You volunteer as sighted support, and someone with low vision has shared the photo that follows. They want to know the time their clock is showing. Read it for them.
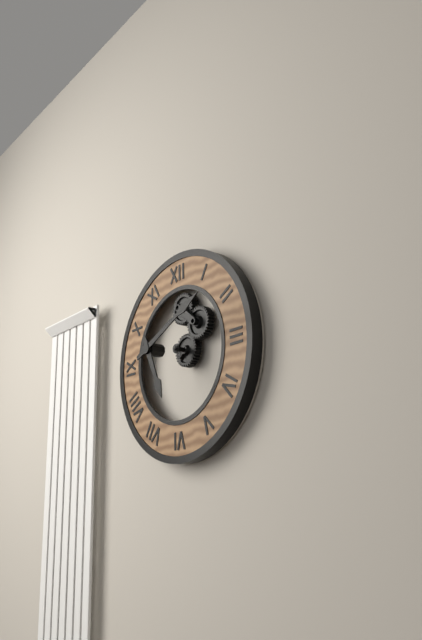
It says 5:11
